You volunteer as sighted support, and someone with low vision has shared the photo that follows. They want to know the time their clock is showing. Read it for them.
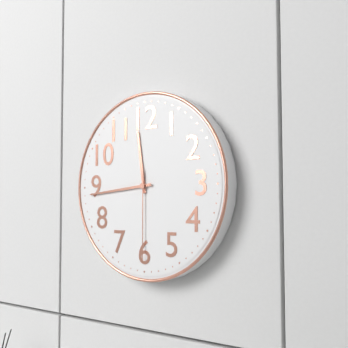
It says 11:44:30
